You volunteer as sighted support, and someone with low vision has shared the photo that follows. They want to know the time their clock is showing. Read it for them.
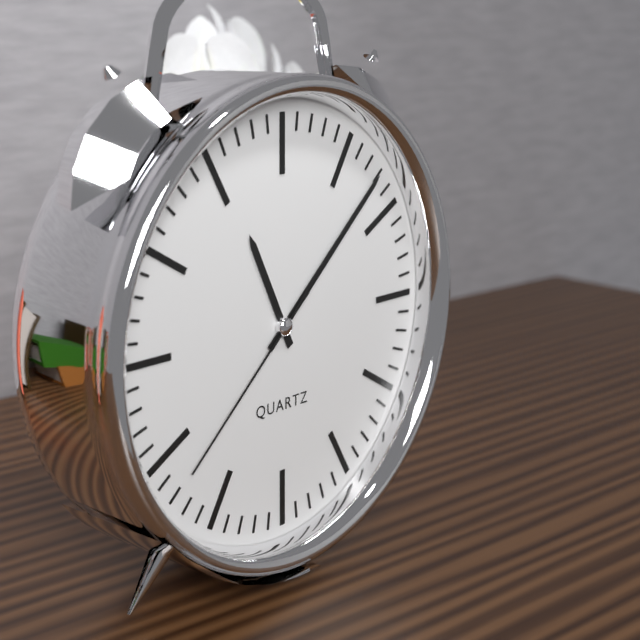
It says 11:08:38
